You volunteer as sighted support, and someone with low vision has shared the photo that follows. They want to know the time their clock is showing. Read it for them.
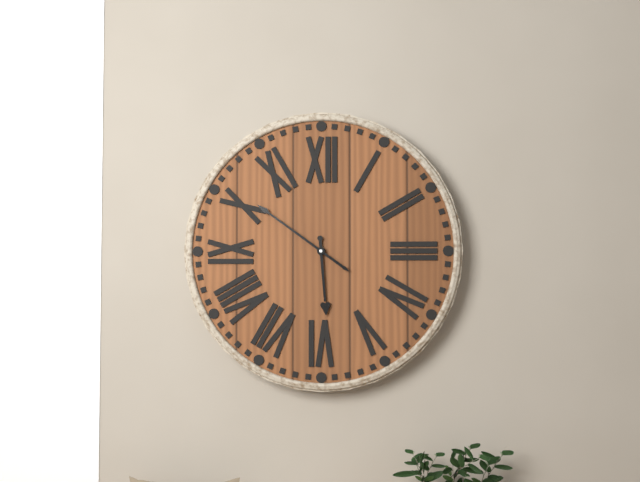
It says 5:51
